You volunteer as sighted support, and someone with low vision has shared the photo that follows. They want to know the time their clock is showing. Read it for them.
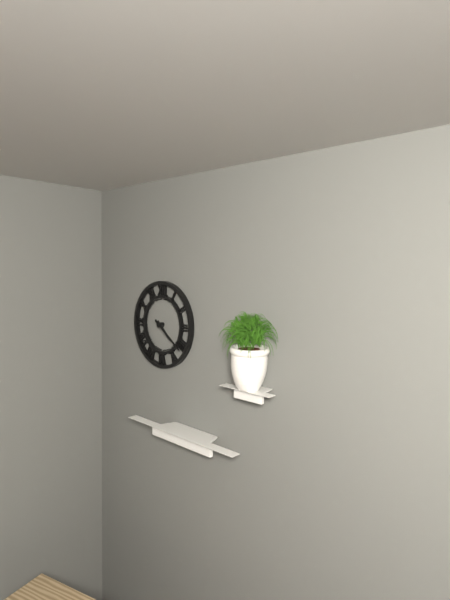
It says 4:21
